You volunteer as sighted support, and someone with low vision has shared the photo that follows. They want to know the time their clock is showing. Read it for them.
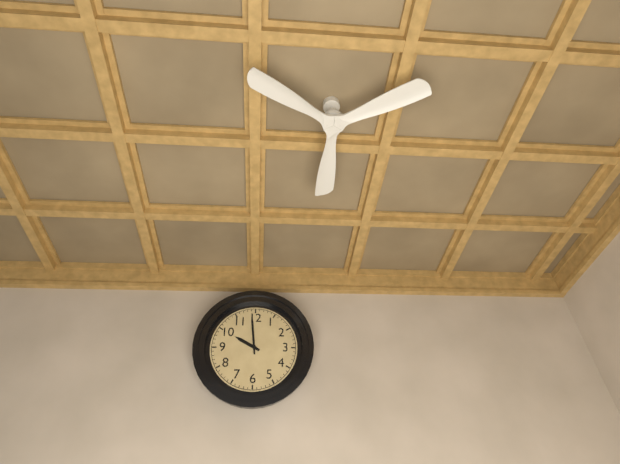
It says 9:59
